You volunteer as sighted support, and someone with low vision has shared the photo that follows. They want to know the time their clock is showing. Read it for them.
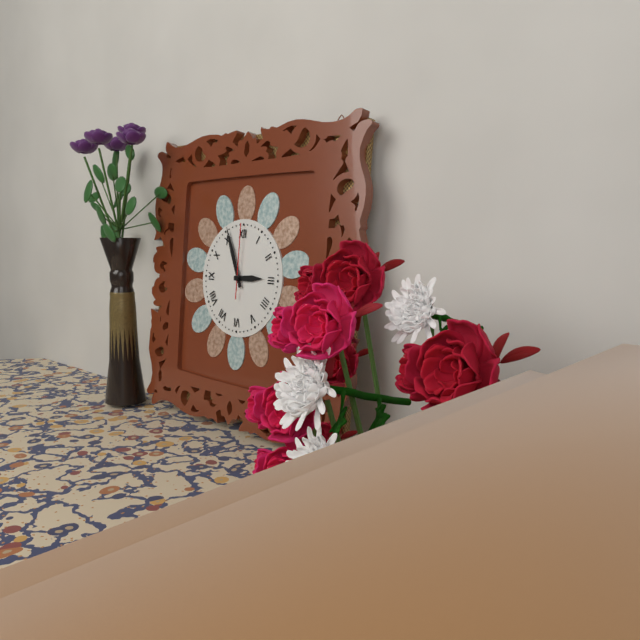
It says 2:56:00
